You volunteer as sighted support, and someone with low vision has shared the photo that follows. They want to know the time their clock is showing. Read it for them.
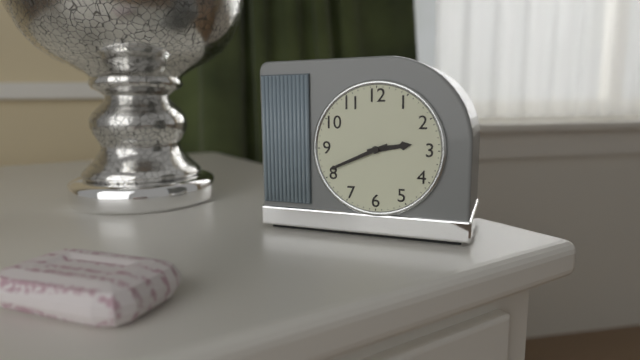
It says 2:41
